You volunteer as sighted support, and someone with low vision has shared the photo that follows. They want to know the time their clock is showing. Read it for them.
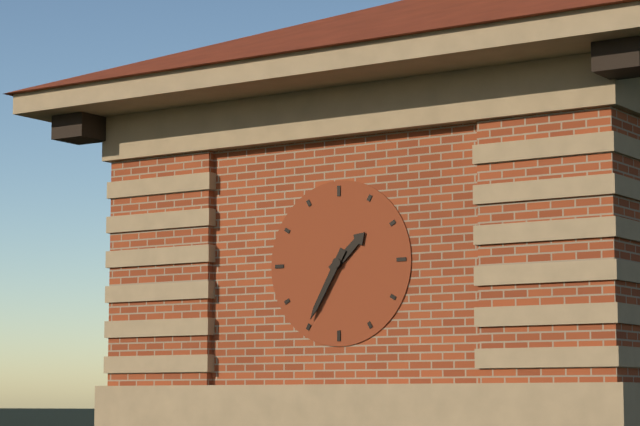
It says 1:35
